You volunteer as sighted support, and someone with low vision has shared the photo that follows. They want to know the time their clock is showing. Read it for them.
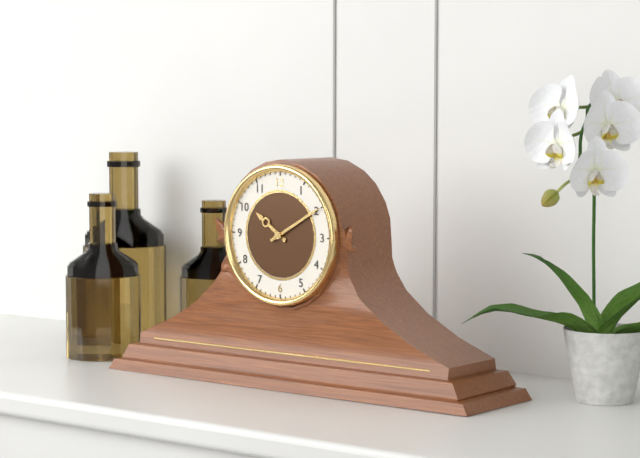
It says 10:10
